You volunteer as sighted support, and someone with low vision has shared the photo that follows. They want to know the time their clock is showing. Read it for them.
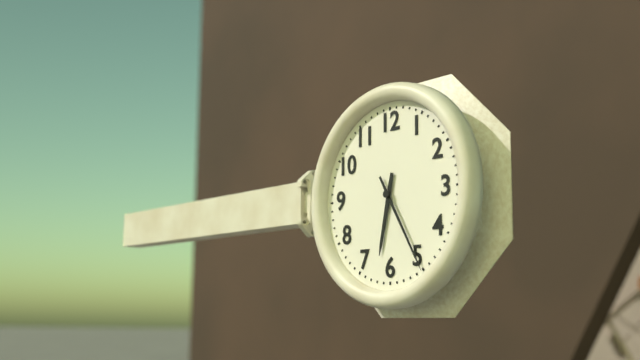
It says 6:25
